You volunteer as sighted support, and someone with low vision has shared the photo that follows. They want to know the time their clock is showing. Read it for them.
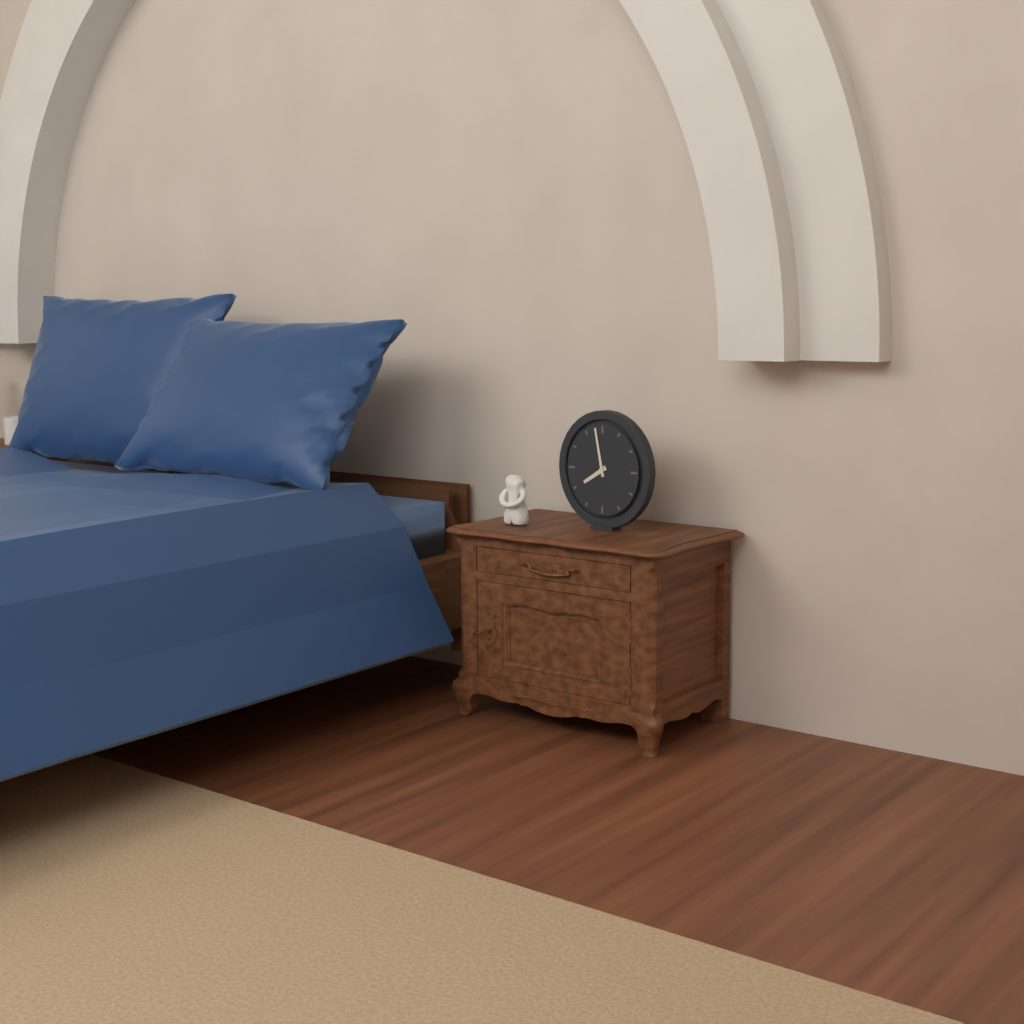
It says 7:58
